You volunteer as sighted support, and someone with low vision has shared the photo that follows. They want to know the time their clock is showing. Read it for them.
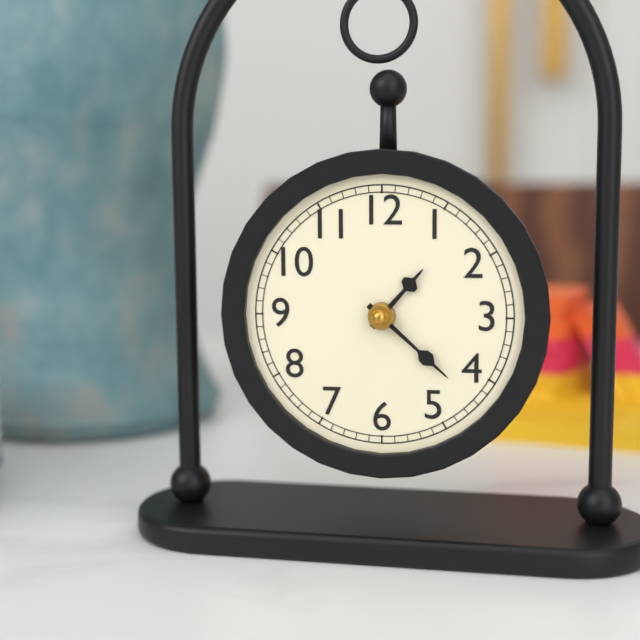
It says 1:22
